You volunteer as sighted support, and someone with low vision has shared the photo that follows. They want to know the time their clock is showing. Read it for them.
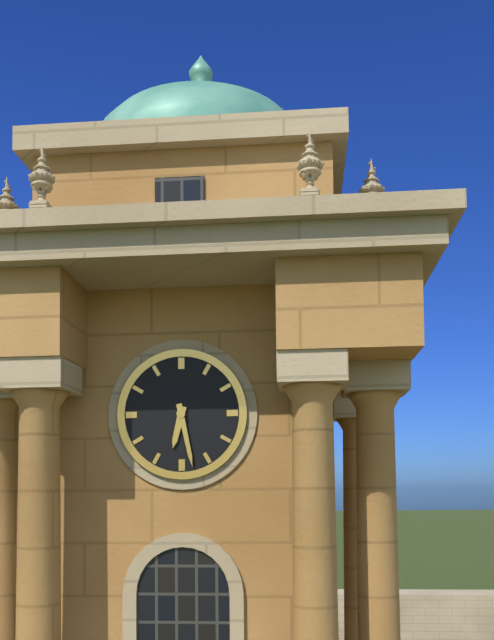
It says 6:28
